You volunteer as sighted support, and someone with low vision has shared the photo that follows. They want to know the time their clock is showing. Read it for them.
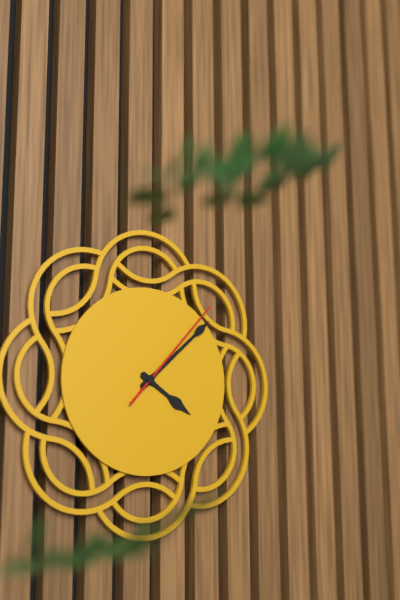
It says 4:08:07
